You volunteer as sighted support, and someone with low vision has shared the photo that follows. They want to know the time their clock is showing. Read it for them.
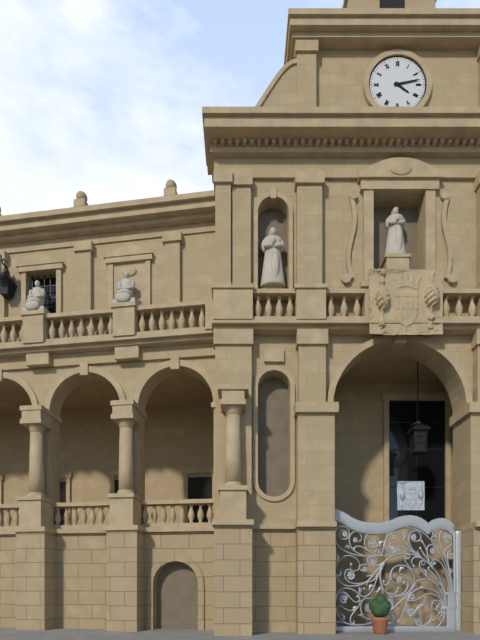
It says 4:13
